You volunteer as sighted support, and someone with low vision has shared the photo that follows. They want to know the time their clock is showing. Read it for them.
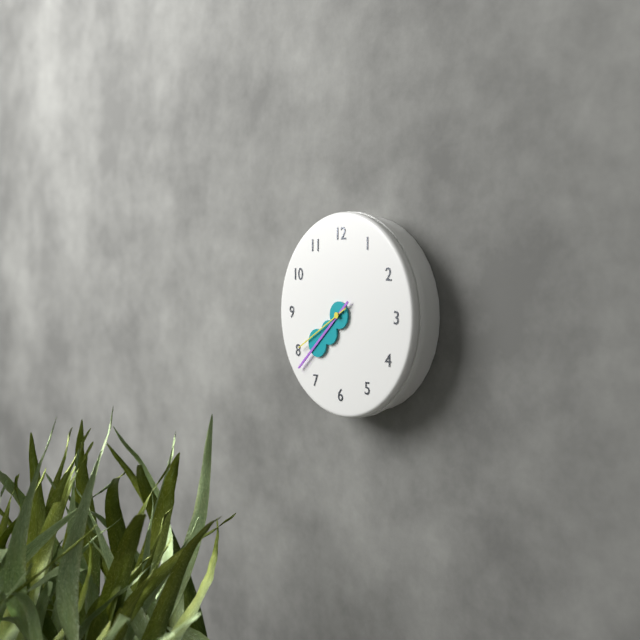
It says 7:38:40
